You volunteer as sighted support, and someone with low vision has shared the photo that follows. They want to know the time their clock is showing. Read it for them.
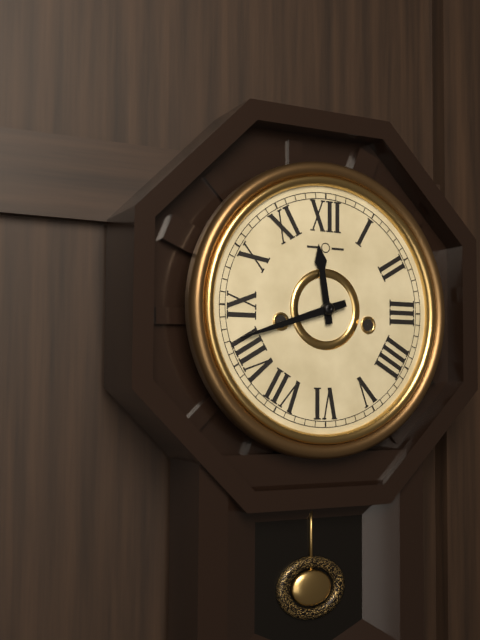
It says 11:42
